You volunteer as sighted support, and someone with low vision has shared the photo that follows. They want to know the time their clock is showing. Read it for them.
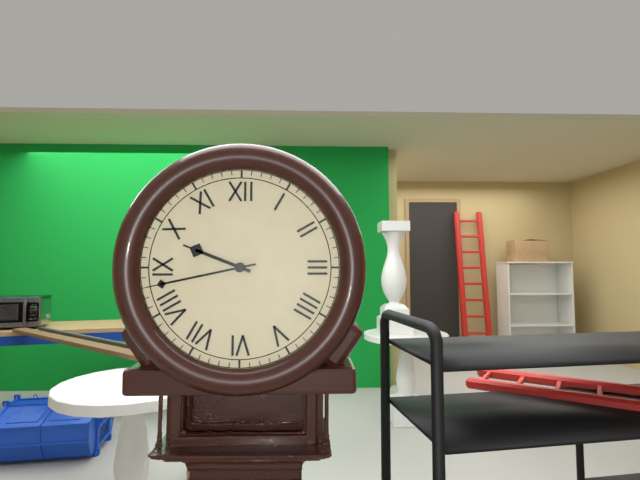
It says 9:43
